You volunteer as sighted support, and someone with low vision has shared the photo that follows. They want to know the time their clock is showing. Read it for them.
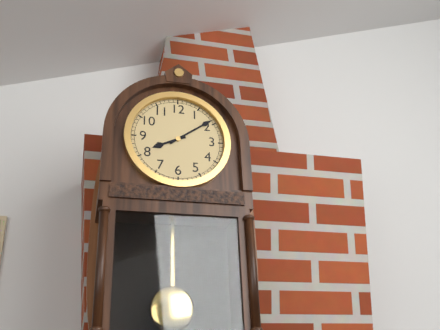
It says 8:09
